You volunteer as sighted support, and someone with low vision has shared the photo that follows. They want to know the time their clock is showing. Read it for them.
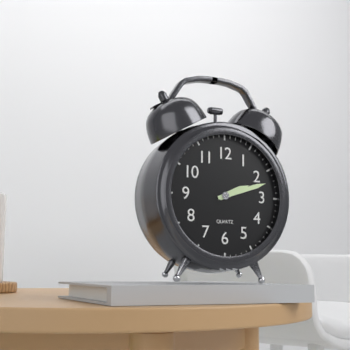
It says 2:12
